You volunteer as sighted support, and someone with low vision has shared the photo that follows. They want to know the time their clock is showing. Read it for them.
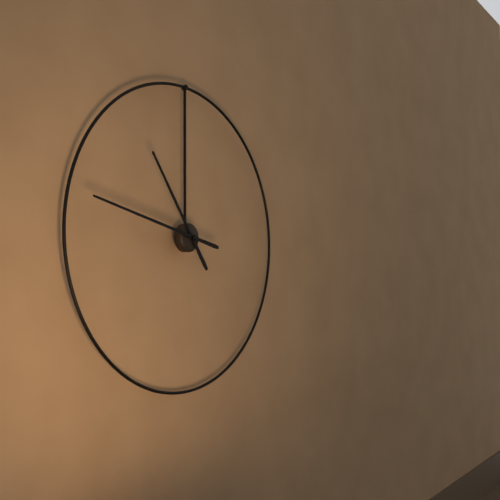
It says 10:47
